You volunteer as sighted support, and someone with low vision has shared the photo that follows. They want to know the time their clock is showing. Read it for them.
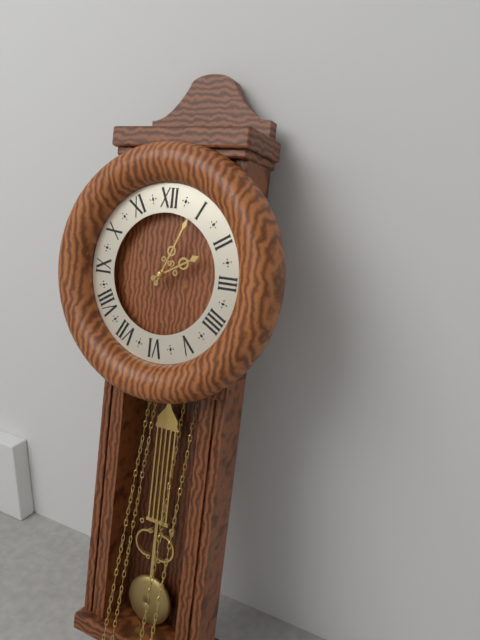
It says 2:04
